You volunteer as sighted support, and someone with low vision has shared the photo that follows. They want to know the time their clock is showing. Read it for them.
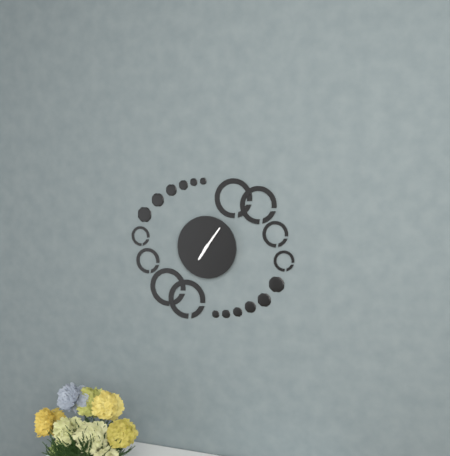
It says 7:06
